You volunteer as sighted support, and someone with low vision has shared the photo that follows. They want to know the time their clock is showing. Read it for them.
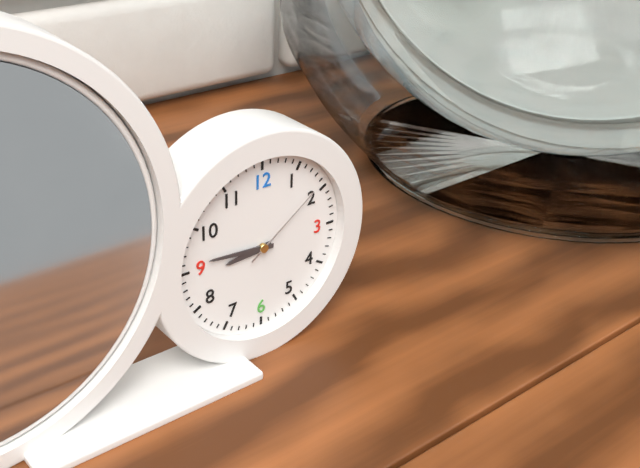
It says 8:46:09
